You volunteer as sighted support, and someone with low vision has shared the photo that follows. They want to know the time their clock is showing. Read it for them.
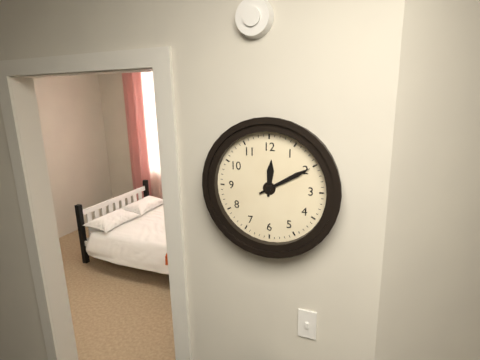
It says 12:10
